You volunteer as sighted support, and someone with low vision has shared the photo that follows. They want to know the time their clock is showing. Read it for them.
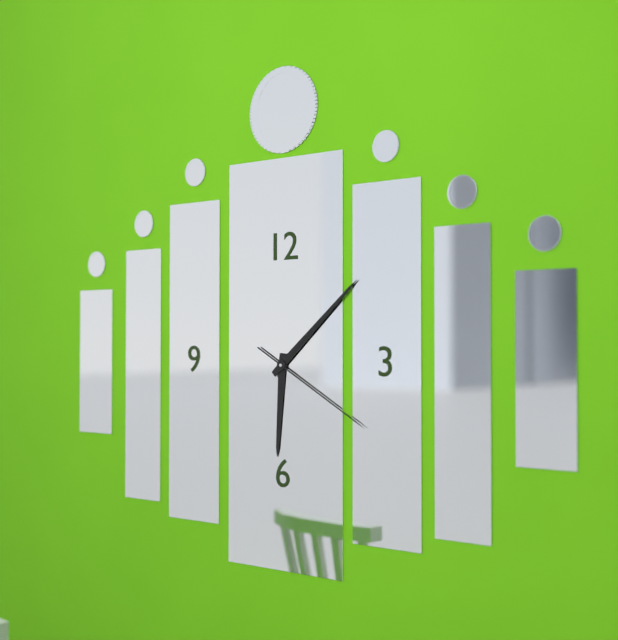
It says 6:08:20
